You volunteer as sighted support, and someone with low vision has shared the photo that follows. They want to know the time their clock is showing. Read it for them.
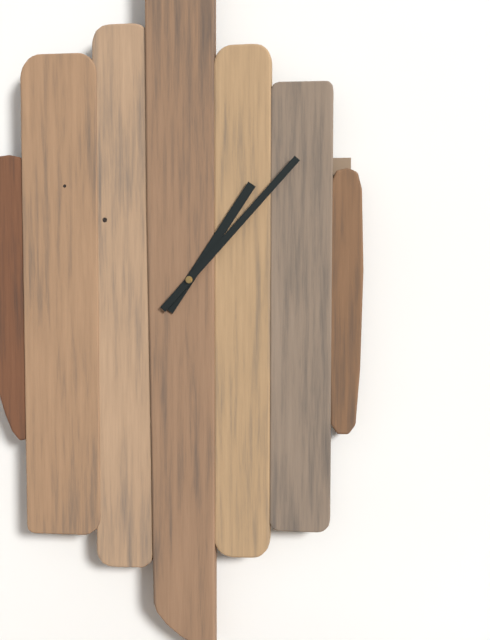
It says 1:07
